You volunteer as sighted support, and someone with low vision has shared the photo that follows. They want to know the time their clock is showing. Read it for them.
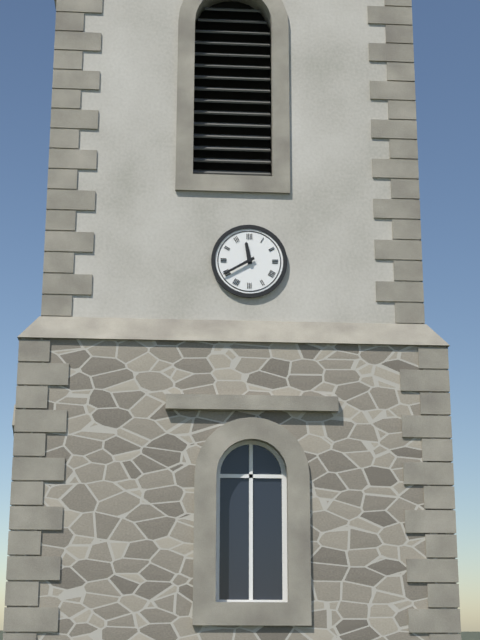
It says 11:40
